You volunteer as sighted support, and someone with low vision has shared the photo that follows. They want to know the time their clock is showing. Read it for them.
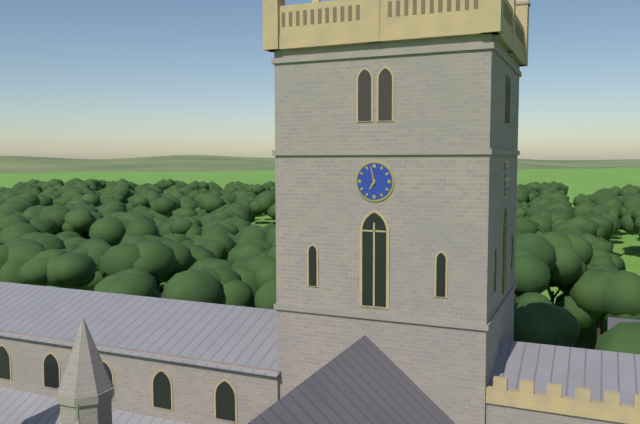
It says 6:58
